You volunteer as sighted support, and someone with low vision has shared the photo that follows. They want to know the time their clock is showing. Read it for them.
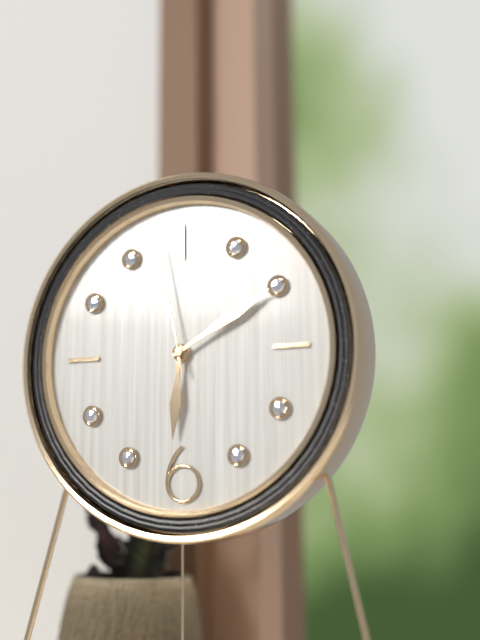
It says 6:10:58
